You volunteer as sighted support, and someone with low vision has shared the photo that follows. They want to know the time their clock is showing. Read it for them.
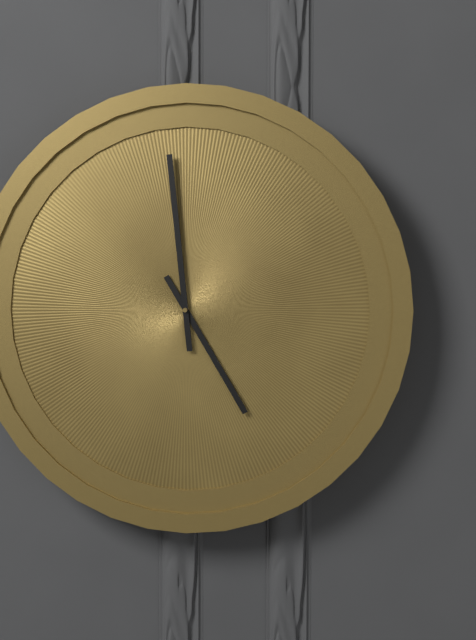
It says 4:59
